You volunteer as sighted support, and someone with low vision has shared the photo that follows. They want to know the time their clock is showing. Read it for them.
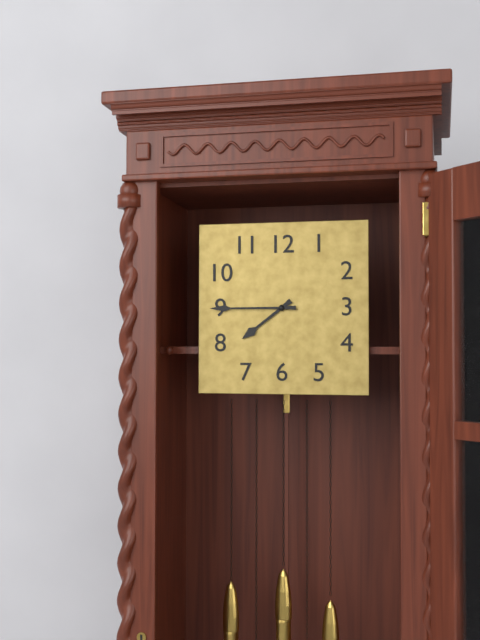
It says 7:45
